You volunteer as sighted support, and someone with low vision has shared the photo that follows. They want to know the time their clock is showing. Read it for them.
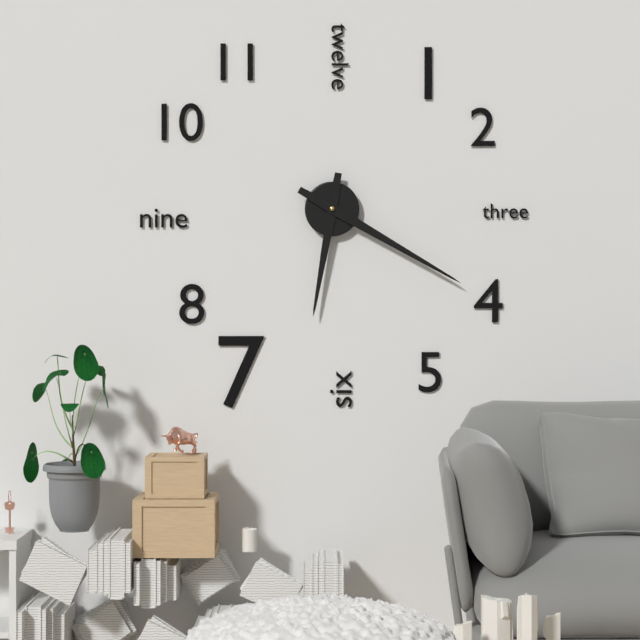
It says 6:20
